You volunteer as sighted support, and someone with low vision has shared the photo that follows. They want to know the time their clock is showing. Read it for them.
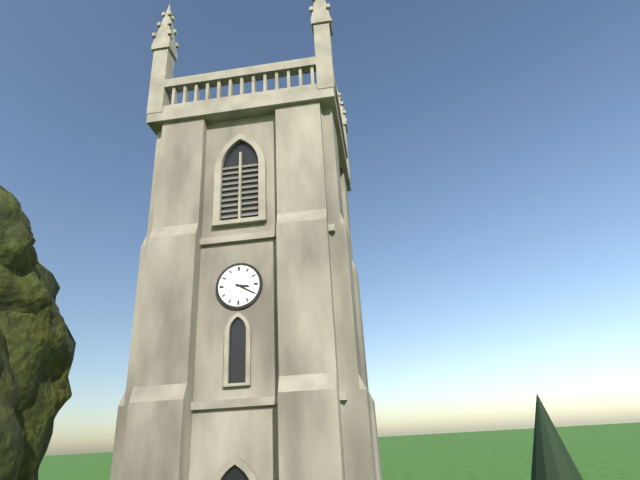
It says 3:20
